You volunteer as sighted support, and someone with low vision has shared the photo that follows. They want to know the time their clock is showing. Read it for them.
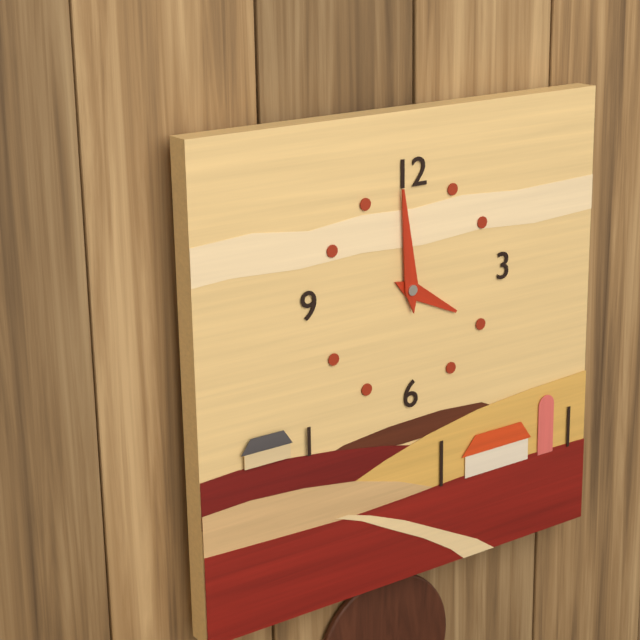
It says 3:59
